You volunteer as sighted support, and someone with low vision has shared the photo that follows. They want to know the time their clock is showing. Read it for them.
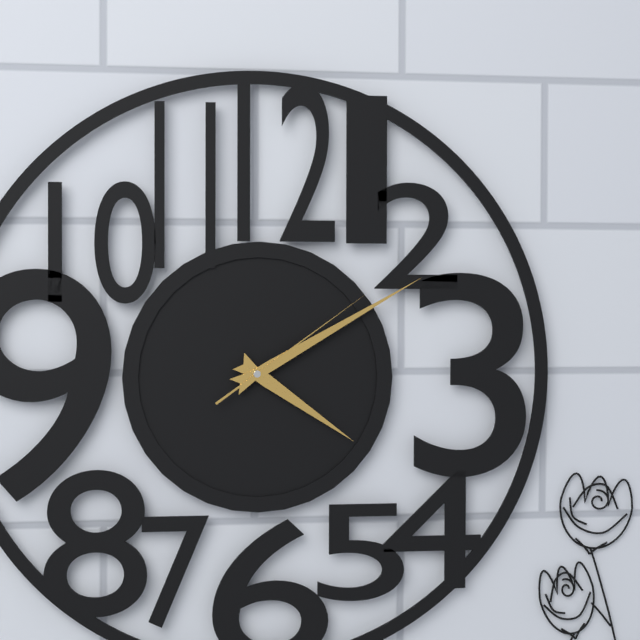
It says 4:10:09
